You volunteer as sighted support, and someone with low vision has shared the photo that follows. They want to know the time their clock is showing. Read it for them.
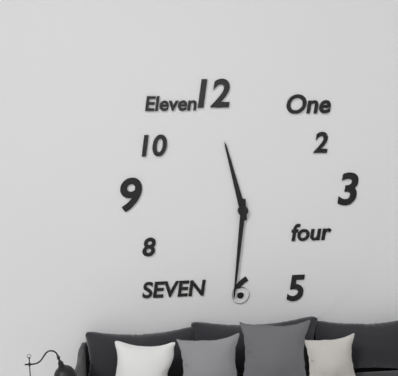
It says 11:31
